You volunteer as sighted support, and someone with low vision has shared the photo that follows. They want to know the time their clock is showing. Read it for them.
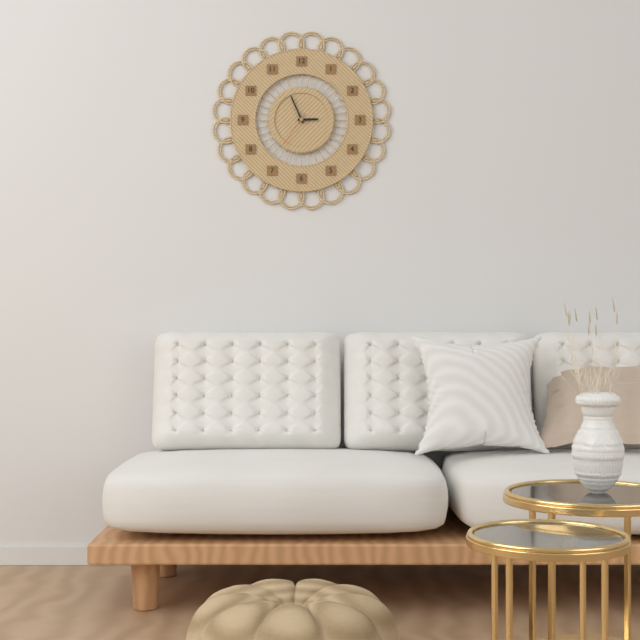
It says 2:56
